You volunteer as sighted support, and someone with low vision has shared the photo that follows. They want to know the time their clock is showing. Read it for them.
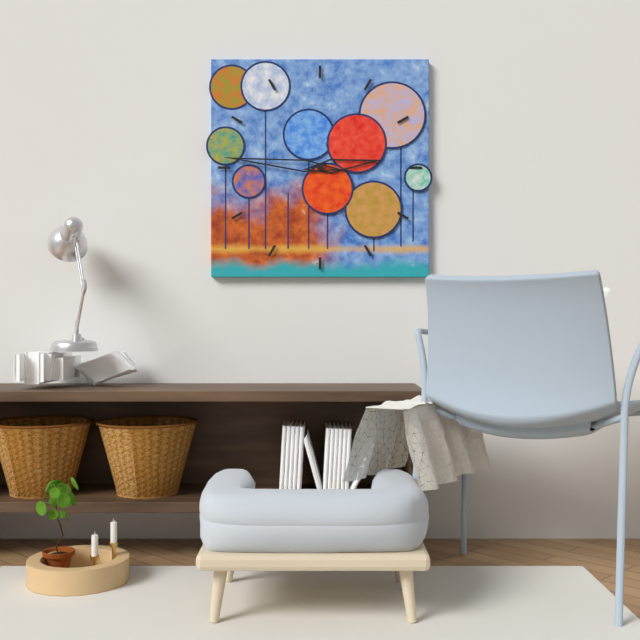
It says 2:46
